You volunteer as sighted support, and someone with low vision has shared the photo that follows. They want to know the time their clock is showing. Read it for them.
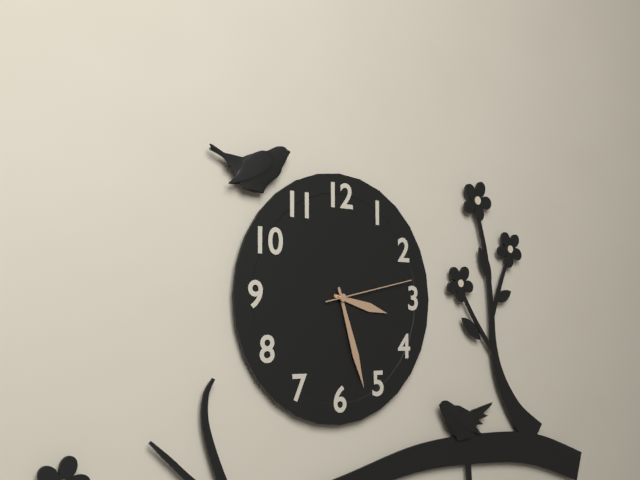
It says 3:27:13
